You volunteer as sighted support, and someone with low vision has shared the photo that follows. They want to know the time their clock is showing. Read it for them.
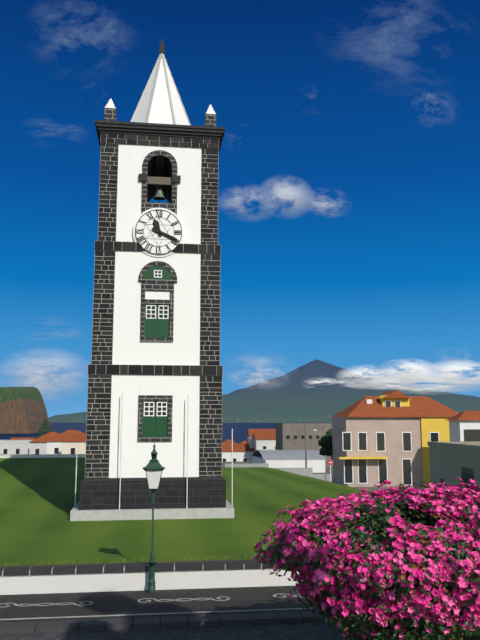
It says 11:19
